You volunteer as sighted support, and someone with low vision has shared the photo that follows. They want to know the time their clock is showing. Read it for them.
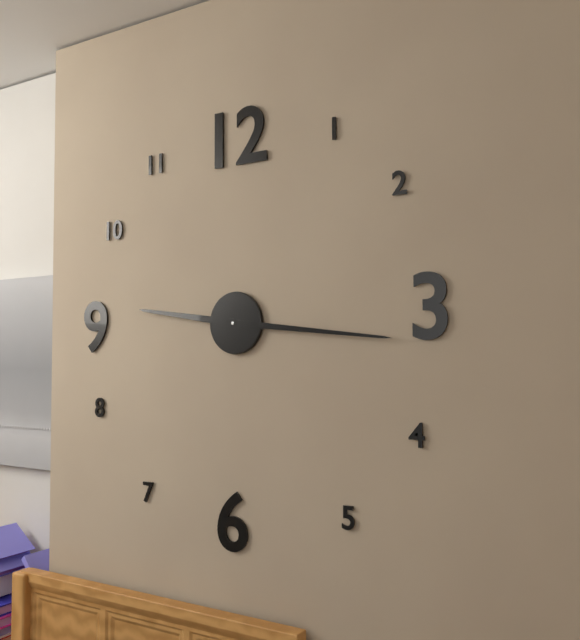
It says 9:16
